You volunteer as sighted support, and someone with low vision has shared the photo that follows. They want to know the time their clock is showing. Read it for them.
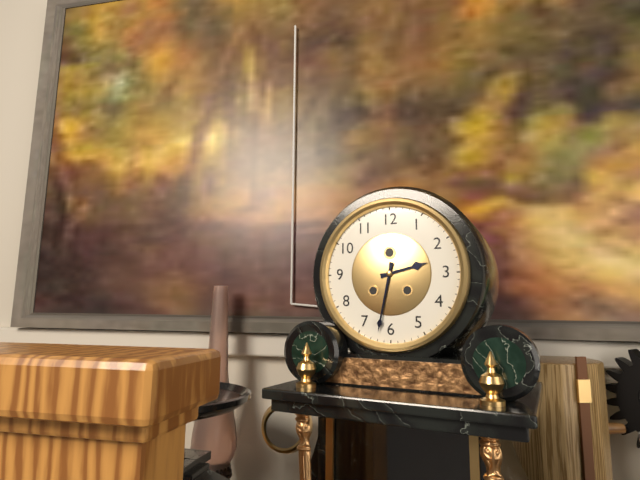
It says 2:32
